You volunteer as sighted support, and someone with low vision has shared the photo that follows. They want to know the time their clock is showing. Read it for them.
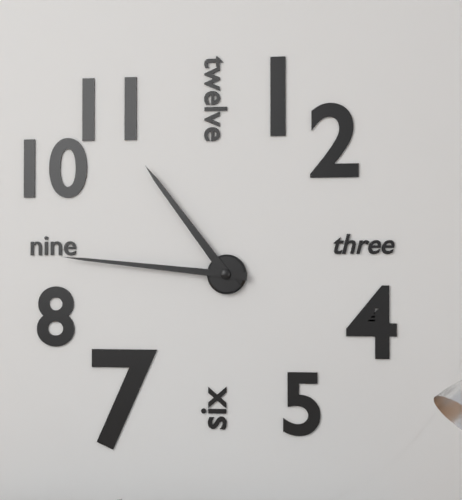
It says 10:46
